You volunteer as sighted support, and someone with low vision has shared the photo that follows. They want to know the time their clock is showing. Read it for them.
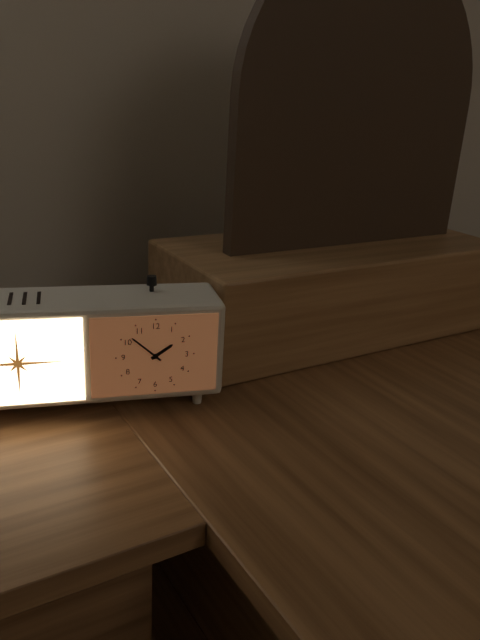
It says 1:52
